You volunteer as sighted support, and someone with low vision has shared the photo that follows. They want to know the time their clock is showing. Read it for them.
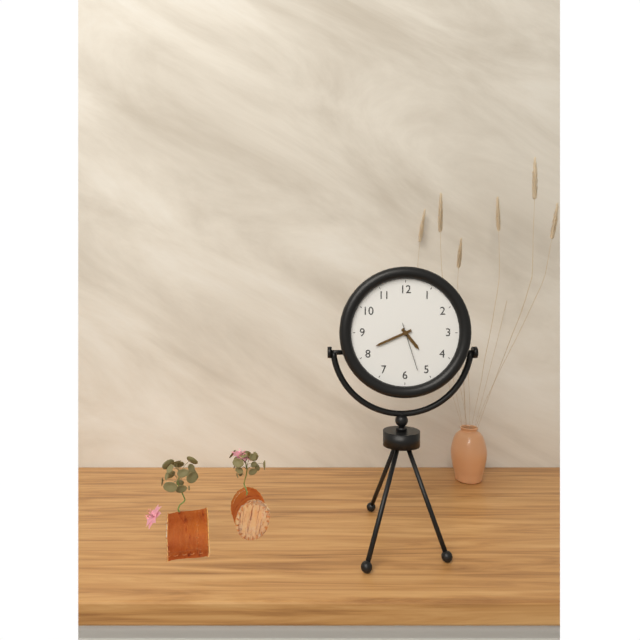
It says 4:41
